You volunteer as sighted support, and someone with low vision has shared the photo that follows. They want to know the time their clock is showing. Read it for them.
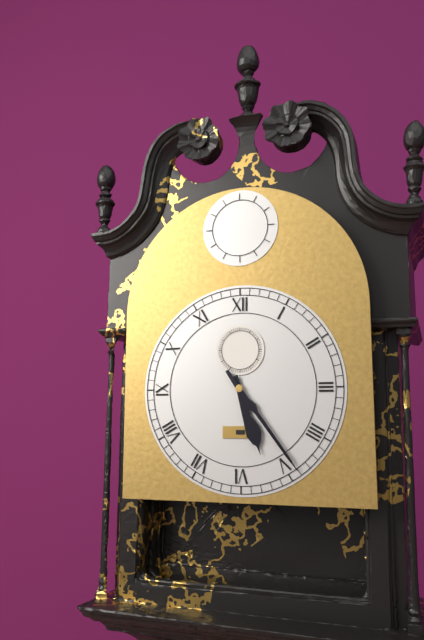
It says 5:24
